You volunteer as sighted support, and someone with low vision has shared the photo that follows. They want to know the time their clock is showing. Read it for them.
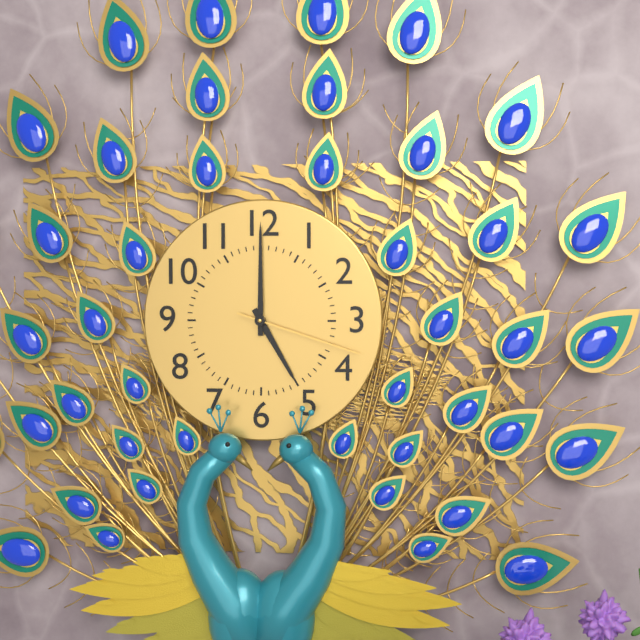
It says 5:00:18
